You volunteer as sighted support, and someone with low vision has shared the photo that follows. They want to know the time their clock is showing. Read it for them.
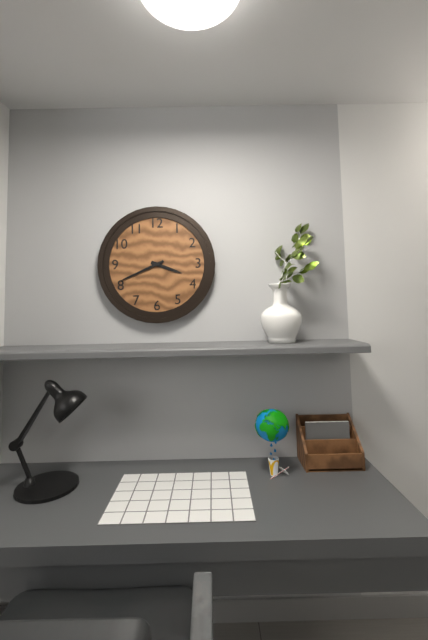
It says 3:41
